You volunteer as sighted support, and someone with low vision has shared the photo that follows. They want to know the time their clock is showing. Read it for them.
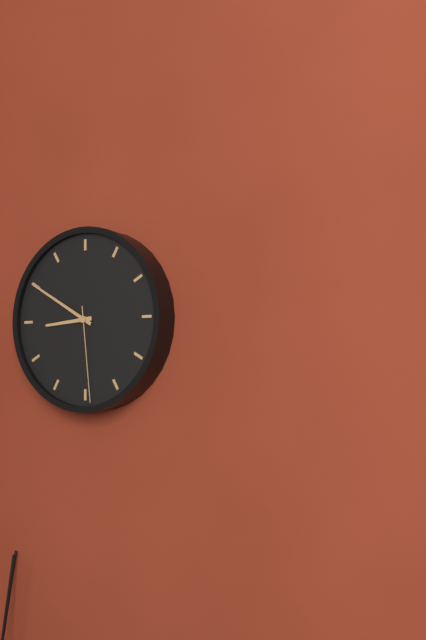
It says 8:50:29
